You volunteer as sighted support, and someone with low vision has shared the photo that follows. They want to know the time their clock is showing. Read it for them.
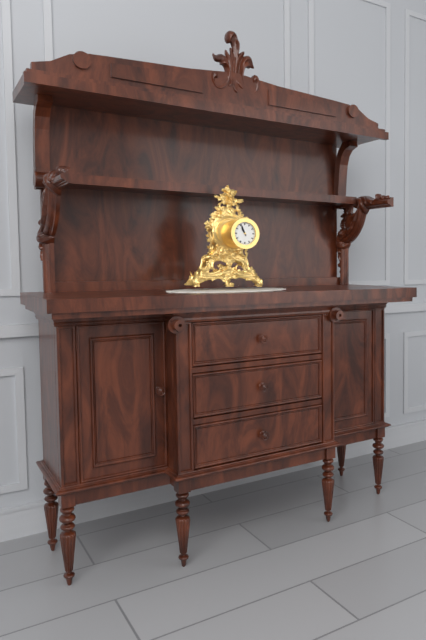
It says 10:56
